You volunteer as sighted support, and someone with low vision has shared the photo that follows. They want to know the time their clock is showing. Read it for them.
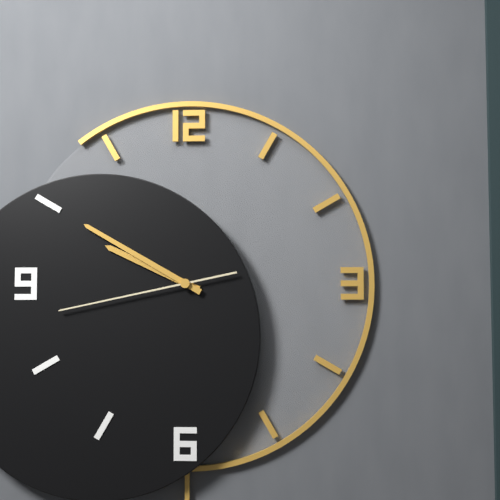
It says 9:50:43
